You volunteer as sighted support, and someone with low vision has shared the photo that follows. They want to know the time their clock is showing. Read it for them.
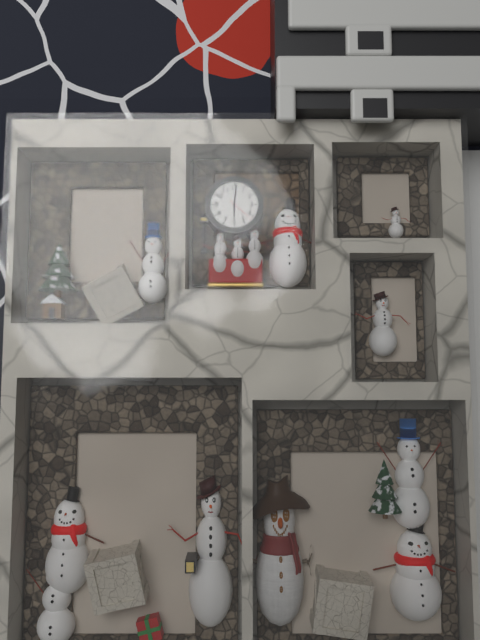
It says 6:01
